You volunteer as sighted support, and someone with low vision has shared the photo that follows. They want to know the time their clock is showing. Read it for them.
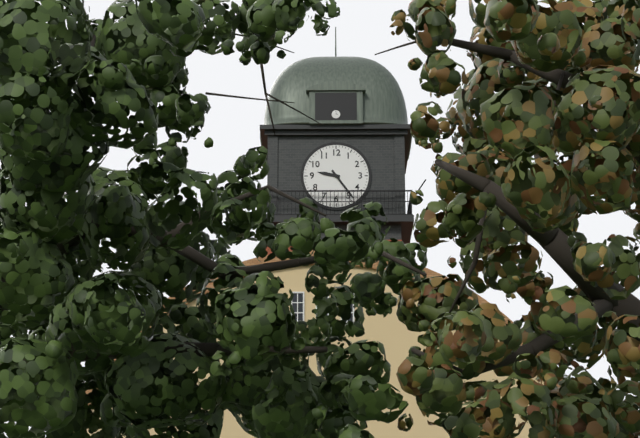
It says 9:24
